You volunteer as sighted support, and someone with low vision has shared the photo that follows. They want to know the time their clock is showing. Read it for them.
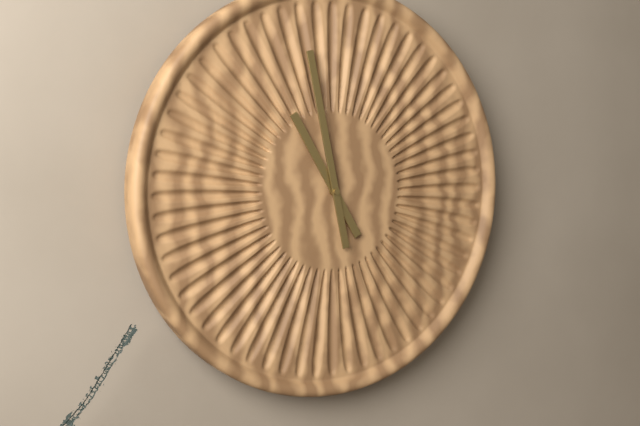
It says 10:58
